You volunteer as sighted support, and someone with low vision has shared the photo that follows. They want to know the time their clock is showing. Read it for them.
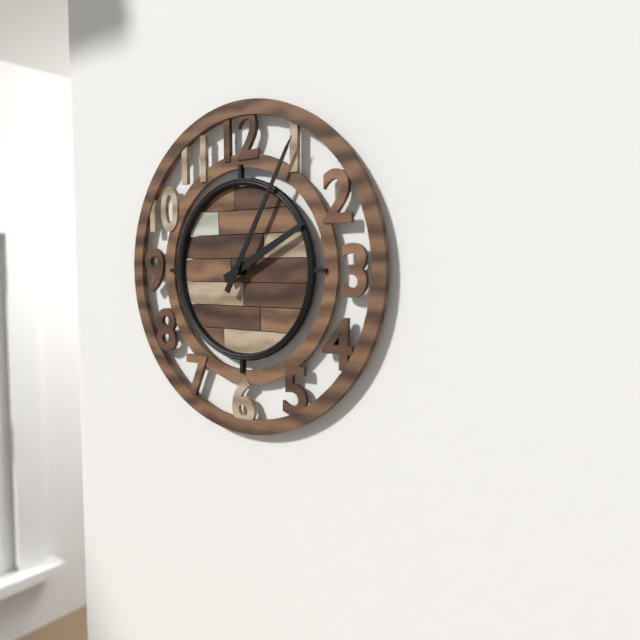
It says 2:05
